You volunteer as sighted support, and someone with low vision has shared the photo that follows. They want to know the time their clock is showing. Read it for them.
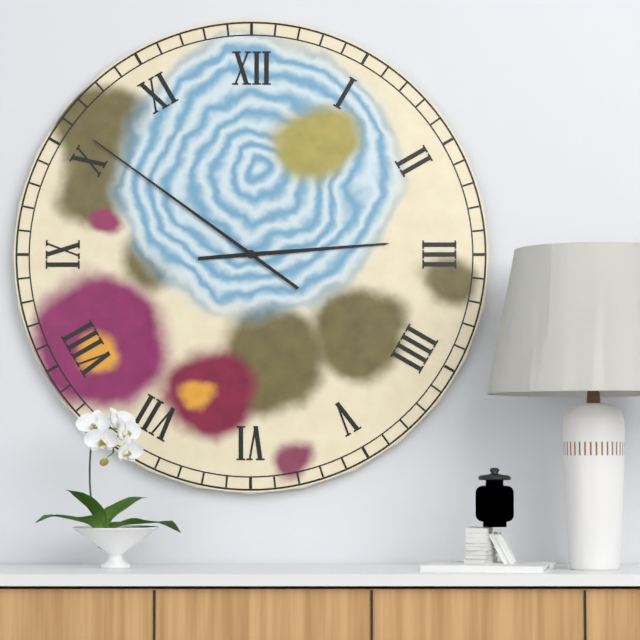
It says 2:51
